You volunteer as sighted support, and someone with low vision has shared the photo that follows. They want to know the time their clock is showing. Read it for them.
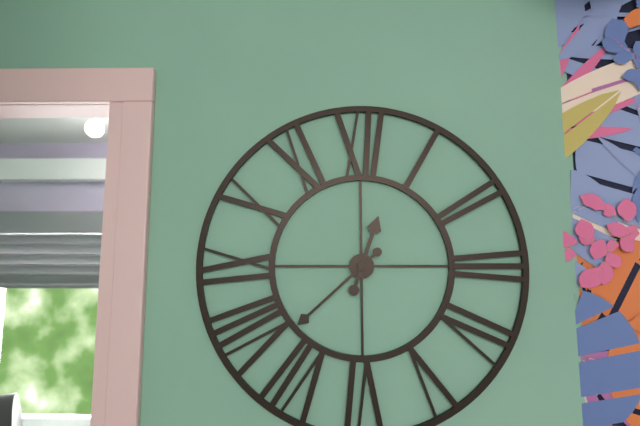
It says 12:38
